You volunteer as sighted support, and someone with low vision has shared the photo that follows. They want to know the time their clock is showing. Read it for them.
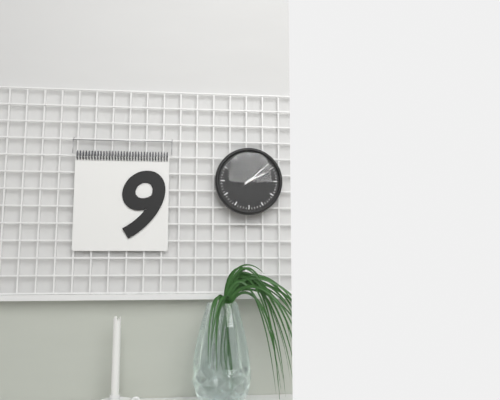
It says 2:08
